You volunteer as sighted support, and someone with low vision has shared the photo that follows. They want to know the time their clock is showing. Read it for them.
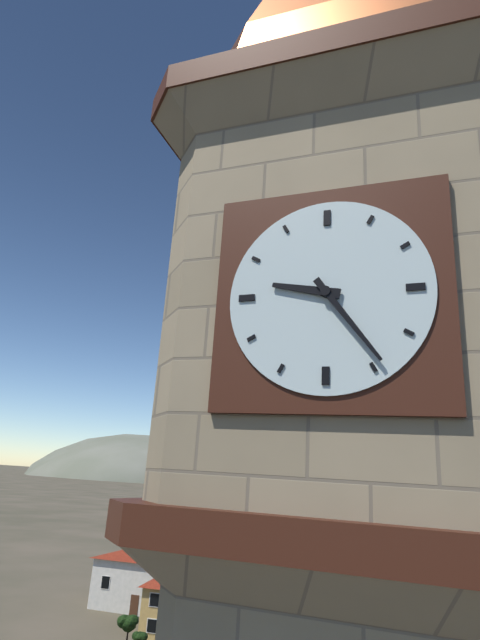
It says 9:24
